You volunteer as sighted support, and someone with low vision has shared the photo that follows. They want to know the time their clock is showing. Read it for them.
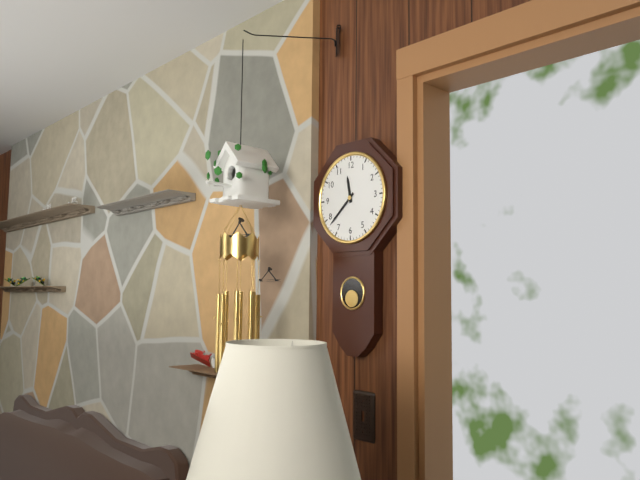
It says 11:38
